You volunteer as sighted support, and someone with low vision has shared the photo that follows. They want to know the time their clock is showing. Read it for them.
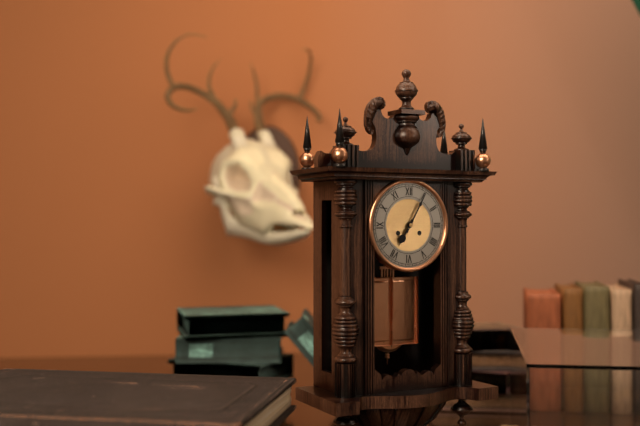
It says 7:05
